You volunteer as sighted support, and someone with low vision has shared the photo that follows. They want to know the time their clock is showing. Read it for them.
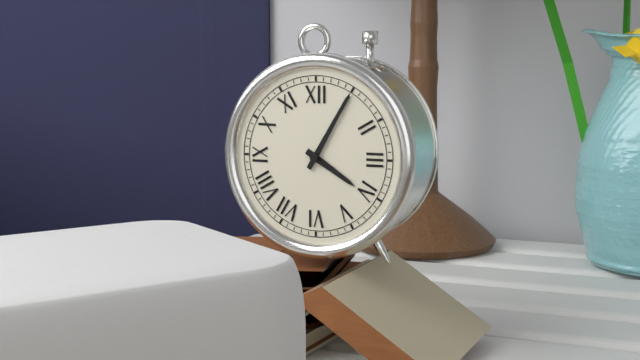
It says 4:05
